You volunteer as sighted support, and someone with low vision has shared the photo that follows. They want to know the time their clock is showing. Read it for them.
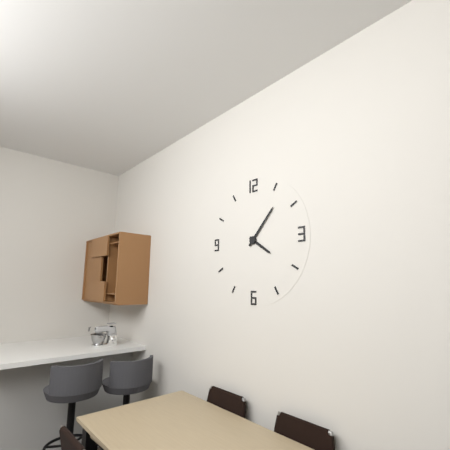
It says 4:07
